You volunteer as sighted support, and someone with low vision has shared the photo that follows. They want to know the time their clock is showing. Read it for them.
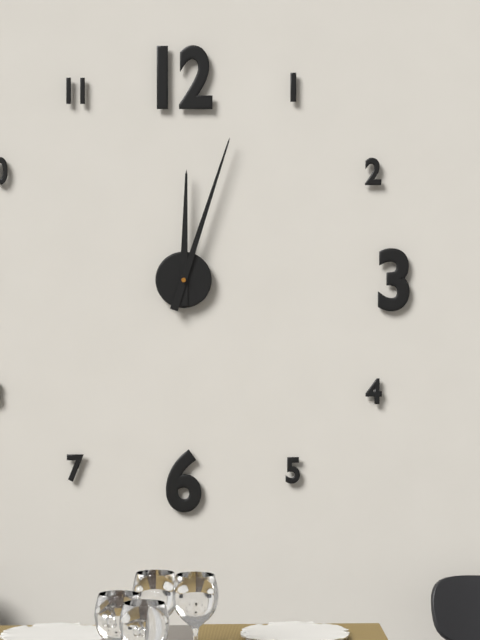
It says 12:03
